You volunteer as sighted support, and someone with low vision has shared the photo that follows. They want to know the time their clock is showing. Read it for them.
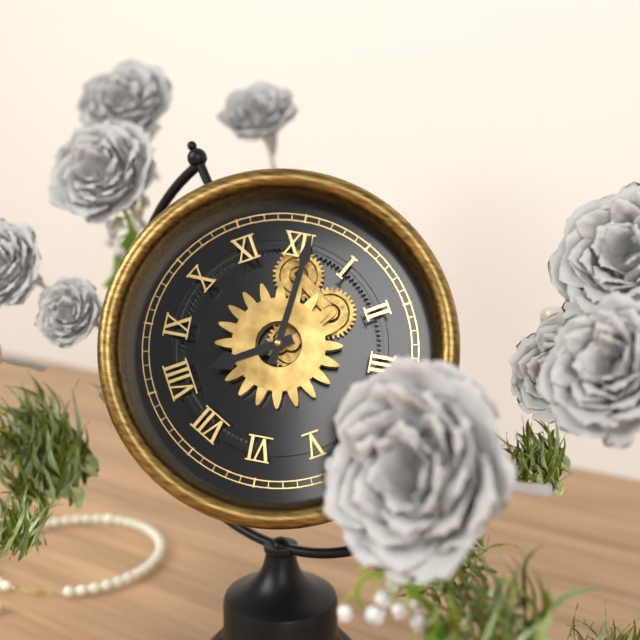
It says 8:01
